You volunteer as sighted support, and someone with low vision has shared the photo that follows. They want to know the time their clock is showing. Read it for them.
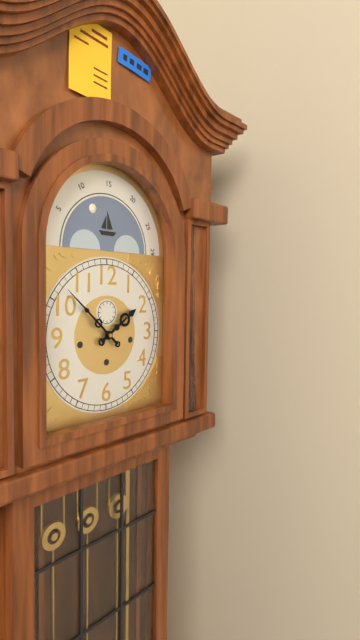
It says 1:52
